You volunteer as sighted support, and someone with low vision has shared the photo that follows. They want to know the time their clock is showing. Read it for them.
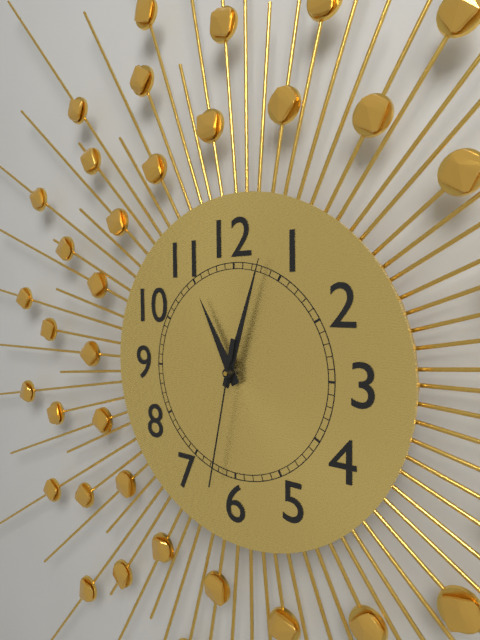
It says 11:03:32
